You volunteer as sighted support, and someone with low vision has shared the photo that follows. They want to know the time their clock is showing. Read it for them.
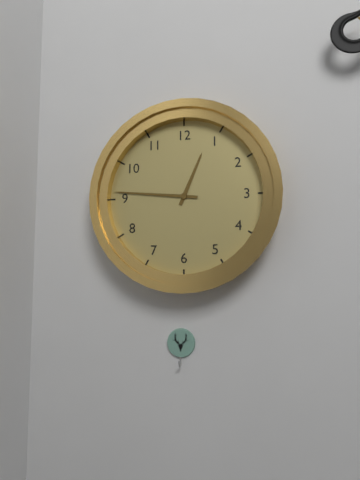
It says 12:46
